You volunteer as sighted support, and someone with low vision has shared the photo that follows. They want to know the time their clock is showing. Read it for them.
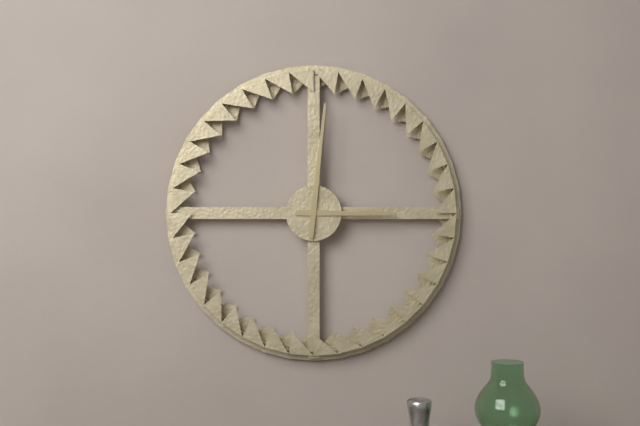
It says 3:01
